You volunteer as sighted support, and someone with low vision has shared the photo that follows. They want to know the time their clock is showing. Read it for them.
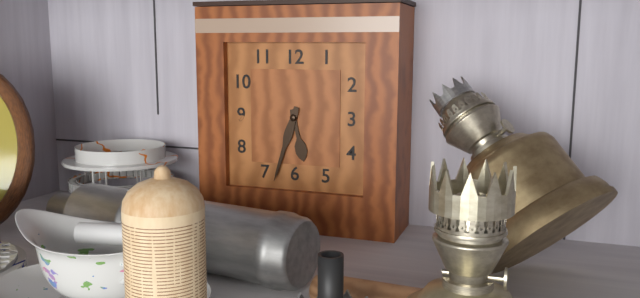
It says 5:33
